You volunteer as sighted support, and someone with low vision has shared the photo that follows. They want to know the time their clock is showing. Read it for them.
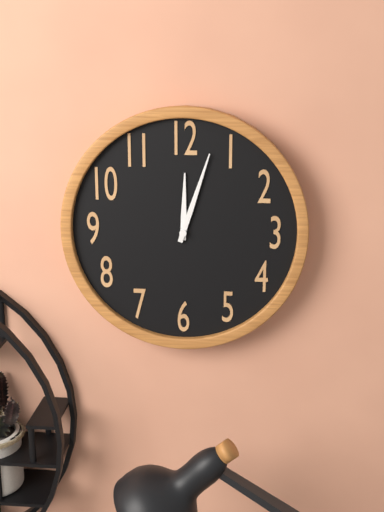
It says 12:03
